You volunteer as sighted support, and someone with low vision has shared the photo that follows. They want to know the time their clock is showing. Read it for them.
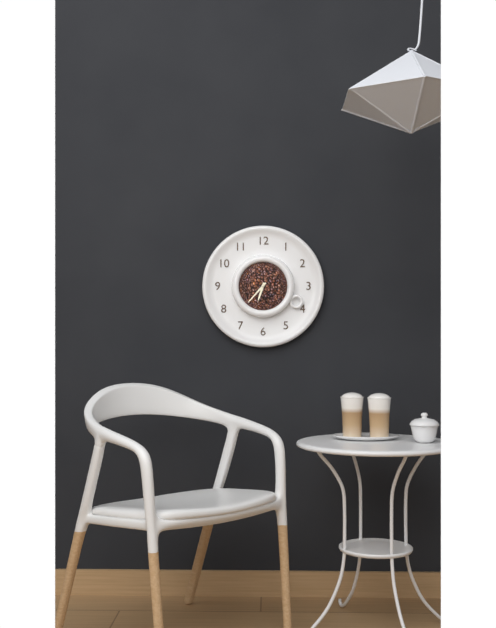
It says 6:37
